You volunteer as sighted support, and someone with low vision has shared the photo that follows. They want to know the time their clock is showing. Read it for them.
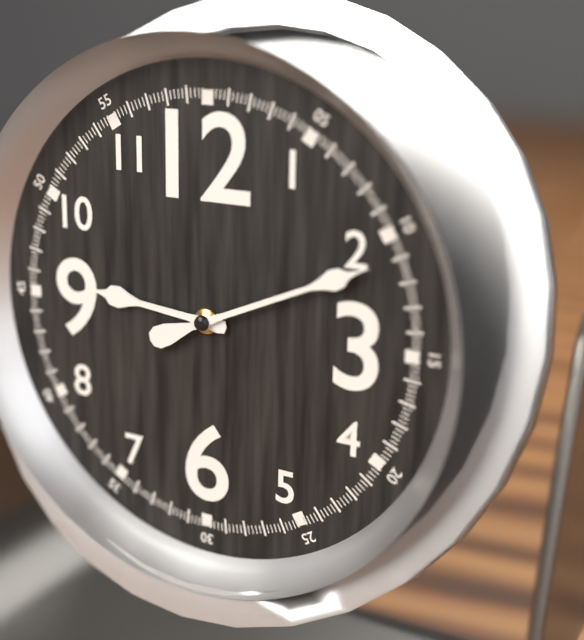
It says 9:11
